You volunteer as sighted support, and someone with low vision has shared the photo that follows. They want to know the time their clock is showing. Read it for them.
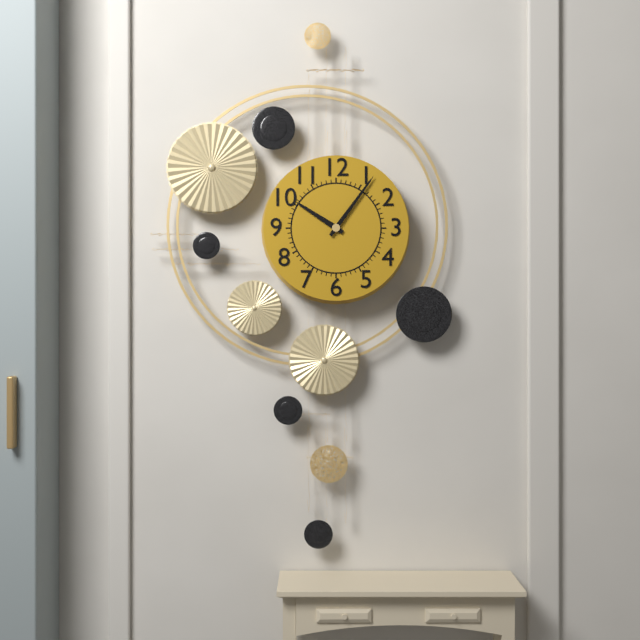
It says 10:06
